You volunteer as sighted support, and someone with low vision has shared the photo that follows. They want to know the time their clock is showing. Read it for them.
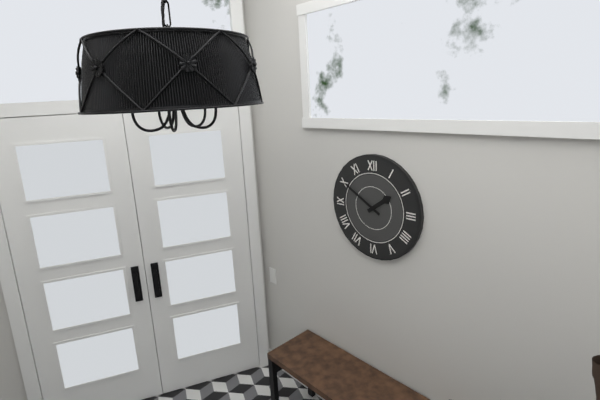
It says 1:50
